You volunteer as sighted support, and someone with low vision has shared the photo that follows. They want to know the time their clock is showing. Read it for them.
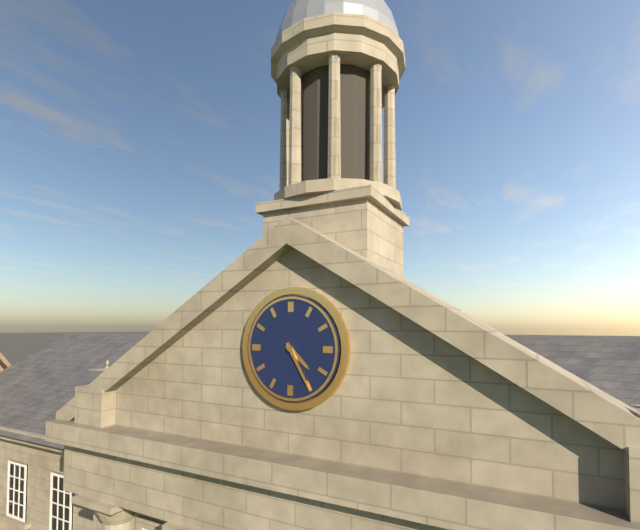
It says 4:25
